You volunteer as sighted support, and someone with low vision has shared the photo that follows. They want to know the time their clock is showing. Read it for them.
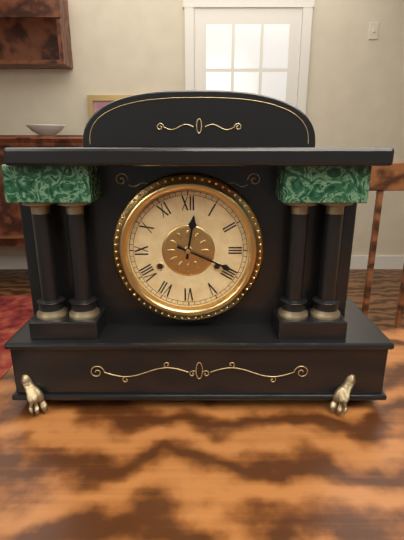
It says 12:19
